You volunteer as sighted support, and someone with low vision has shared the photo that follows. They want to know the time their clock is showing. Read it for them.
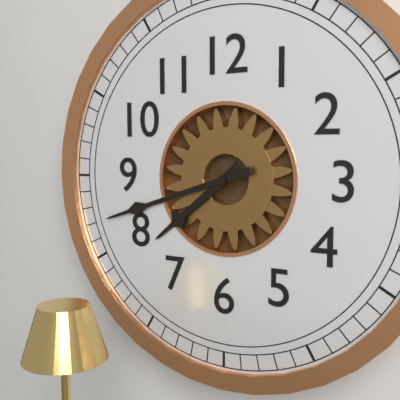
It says 7:42
